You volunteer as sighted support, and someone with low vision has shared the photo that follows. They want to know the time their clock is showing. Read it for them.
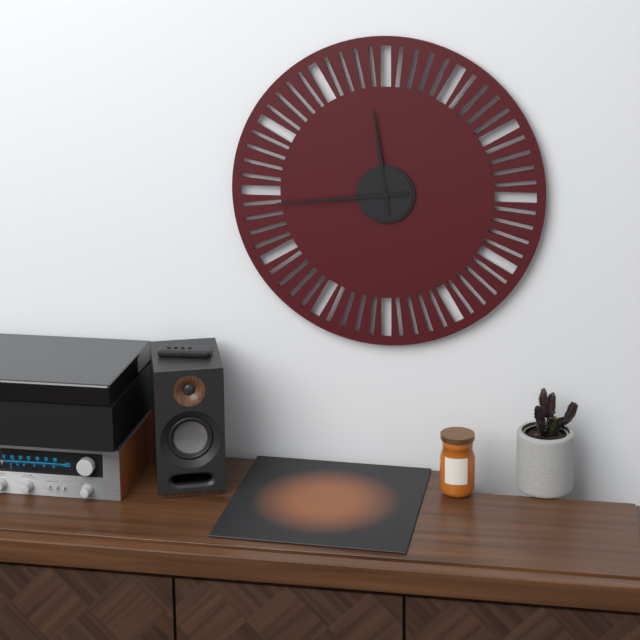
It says 11:44
